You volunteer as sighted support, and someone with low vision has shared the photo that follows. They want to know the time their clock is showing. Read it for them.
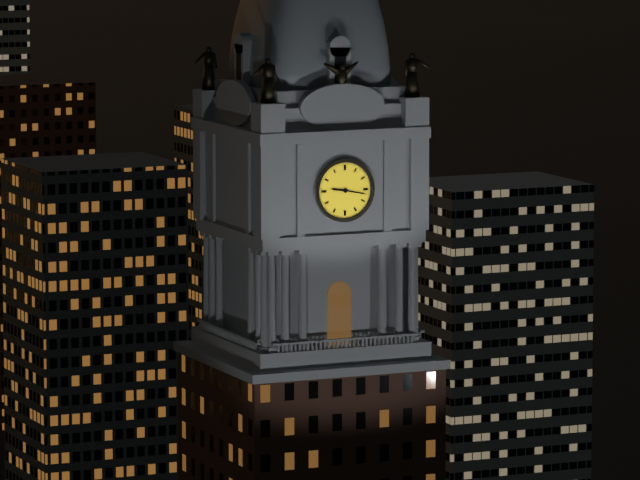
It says 9:17
